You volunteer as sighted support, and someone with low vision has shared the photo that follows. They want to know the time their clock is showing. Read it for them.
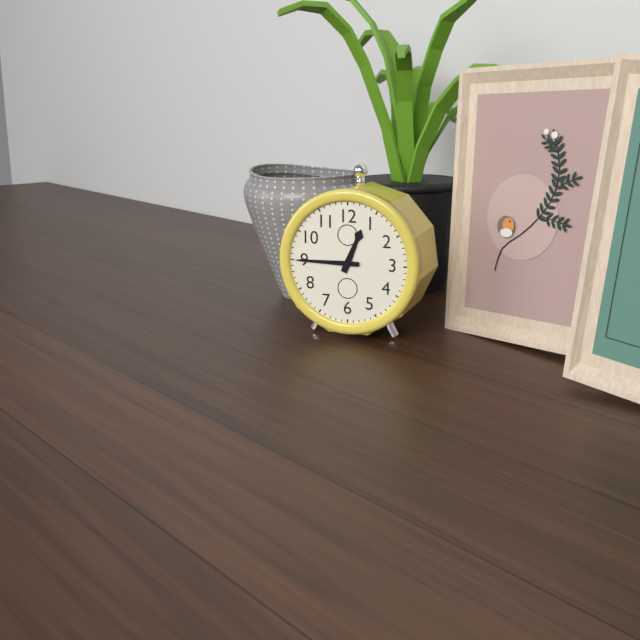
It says 12:45
